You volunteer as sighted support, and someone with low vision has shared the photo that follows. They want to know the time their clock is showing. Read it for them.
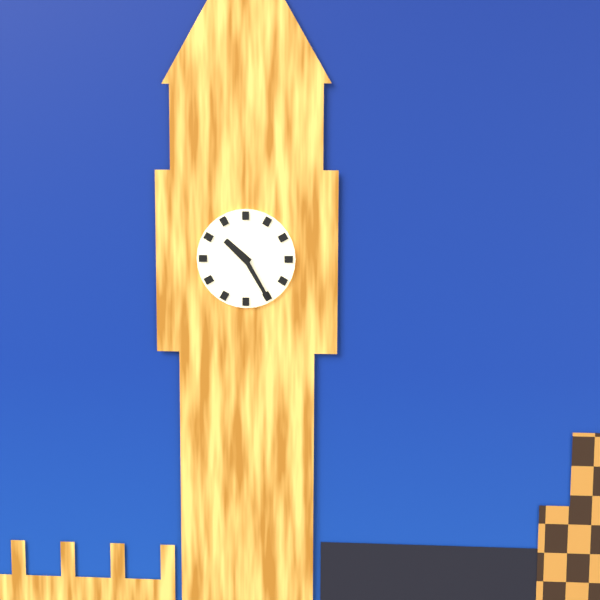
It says 10:25
